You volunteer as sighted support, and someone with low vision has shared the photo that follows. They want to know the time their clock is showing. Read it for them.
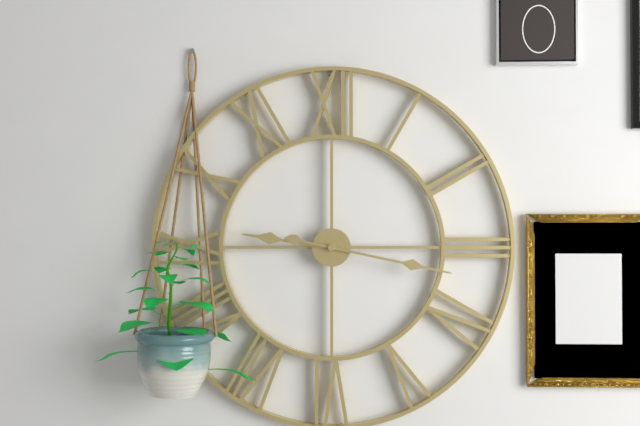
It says 9:17
